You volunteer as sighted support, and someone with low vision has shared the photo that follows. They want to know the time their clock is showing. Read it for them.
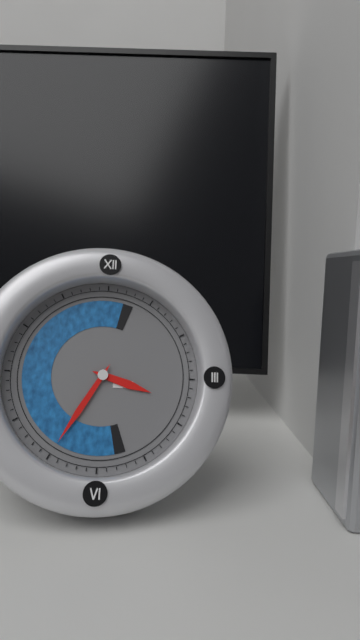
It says 3:35
